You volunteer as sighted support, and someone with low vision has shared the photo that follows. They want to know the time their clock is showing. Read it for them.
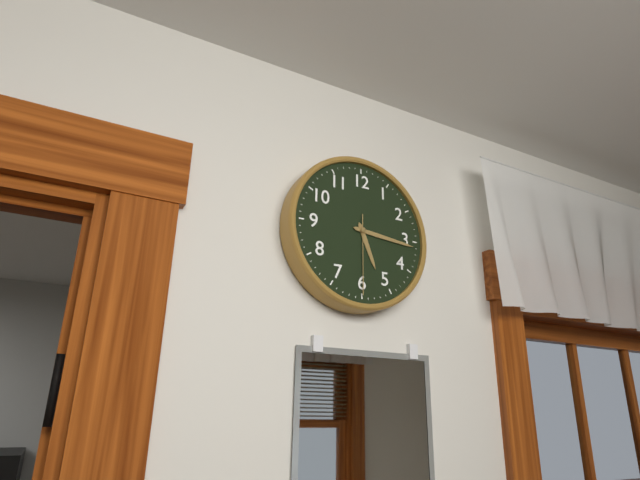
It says 5:16:30
